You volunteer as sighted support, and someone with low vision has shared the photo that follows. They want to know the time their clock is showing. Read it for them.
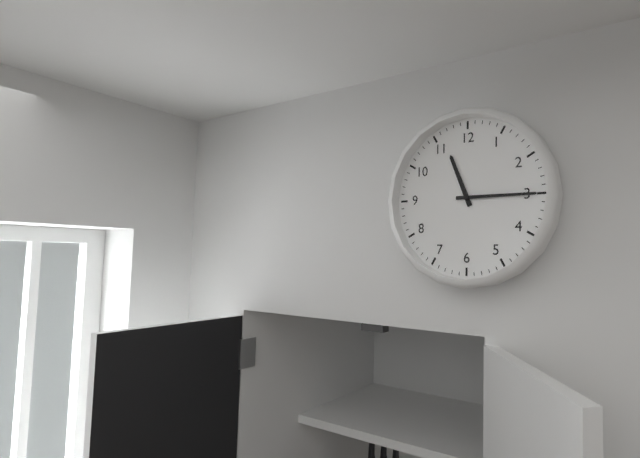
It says 11:15
